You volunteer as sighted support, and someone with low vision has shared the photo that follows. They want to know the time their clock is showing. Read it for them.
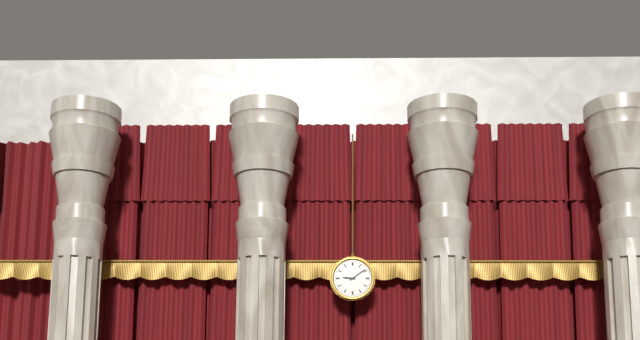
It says 9:09
